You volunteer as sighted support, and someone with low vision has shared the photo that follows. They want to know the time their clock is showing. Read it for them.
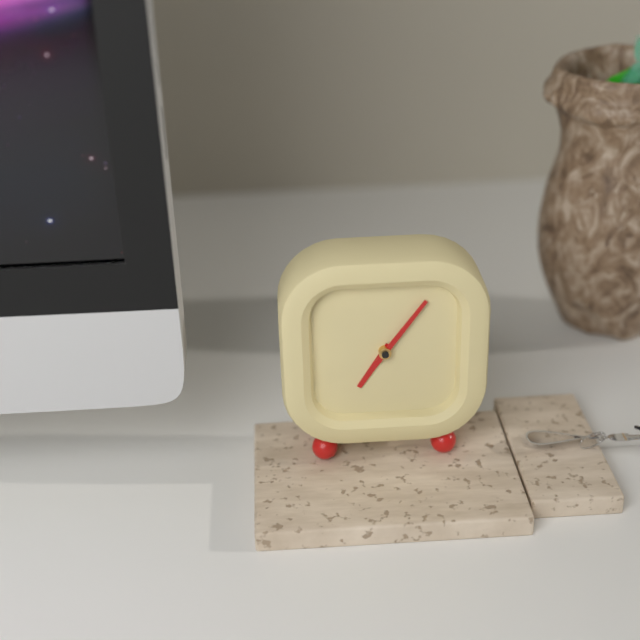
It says 7:06
